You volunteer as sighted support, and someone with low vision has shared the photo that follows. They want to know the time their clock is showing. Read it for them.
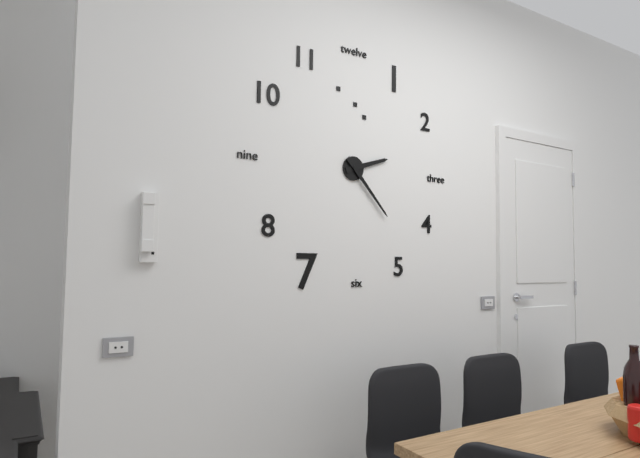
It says 2:23
